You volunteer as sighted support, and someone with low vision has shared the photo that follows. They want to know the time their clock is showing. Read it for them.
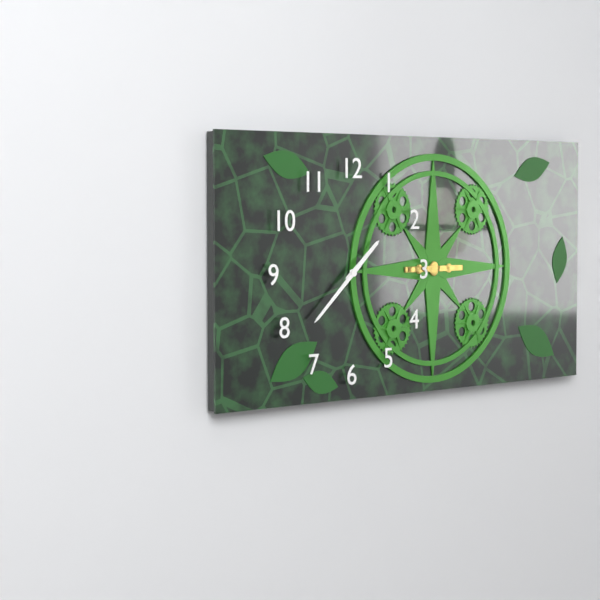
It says 1:38
